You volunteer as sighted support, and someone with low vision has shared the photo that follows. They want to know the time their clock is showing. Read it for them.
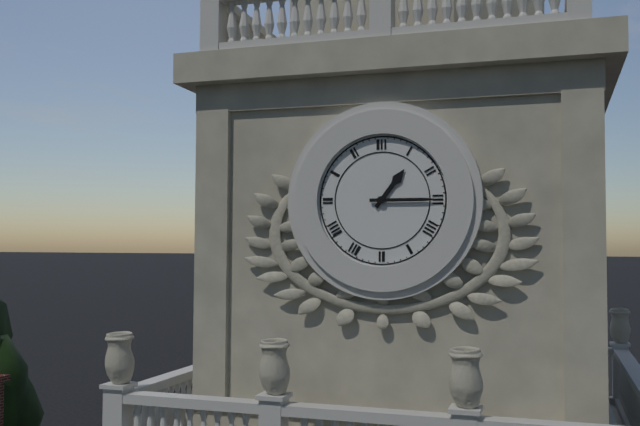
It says 1:15
